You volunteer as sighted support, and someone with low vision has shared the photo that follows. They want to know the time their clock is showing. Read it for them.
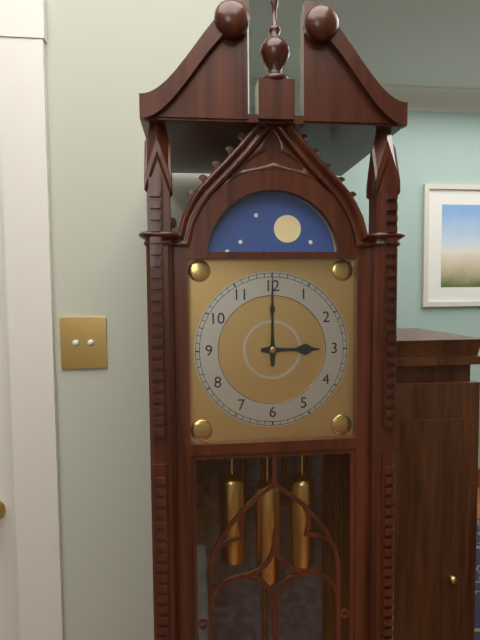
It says 3:00
